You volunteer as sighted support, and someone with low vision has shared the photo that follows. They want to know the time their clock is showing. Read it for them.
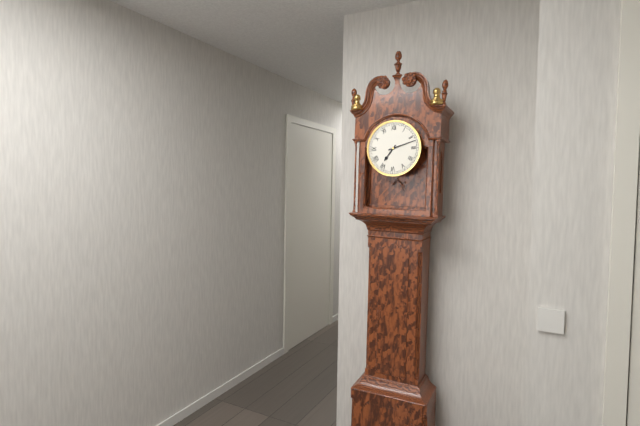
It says 7:12
